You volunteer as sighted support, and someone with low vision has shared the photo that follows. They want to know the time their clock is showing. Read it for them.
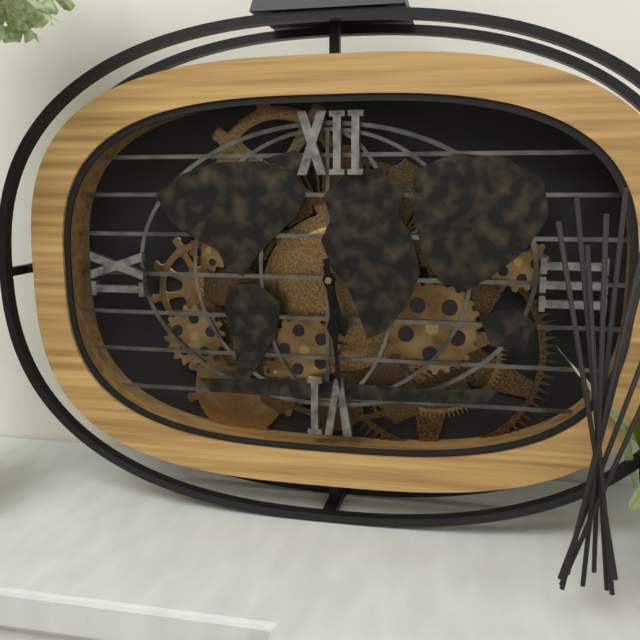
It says 5:29
